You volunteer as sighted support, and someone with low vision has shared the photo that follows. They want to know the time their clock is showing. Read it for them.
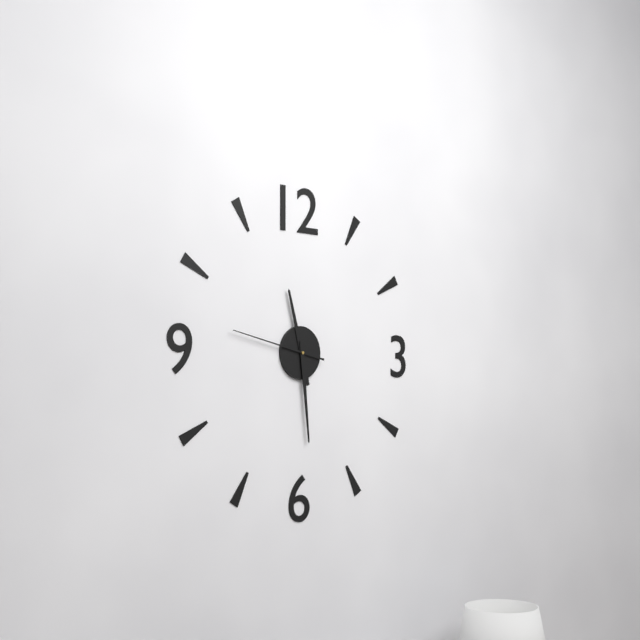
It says 11:29:47
